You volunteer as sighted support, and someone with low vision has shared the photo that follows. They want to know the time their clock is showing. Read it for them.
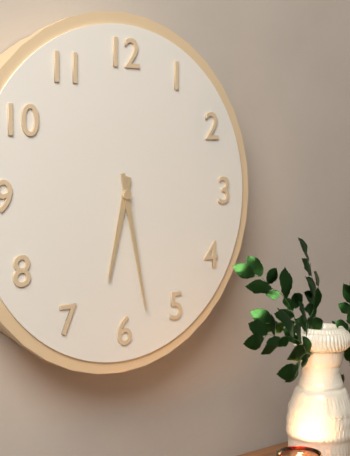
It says 6:28
